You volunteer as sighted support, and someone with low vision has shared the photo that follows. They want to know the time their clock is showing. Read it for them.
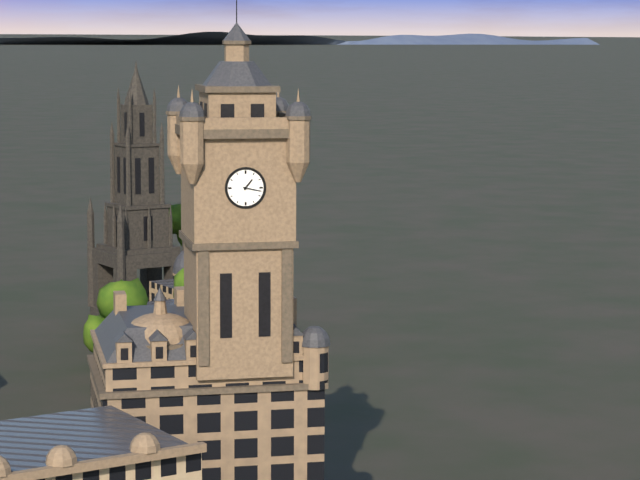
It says 1:17
